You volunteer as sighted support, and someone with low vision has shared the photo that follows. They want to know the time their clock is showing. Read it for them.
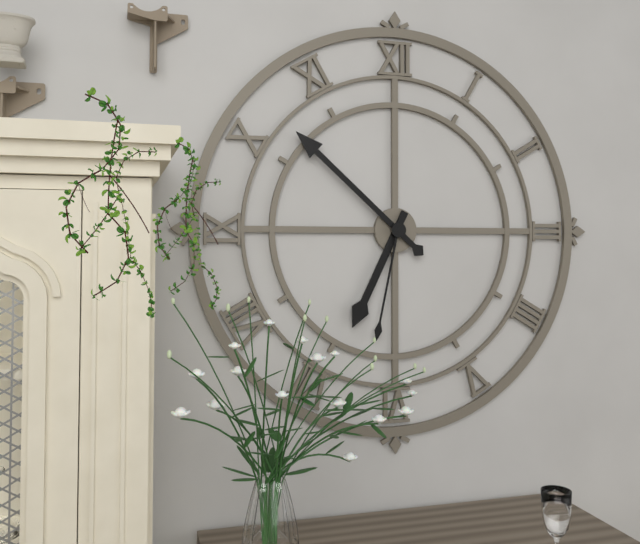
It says 6:52:32
